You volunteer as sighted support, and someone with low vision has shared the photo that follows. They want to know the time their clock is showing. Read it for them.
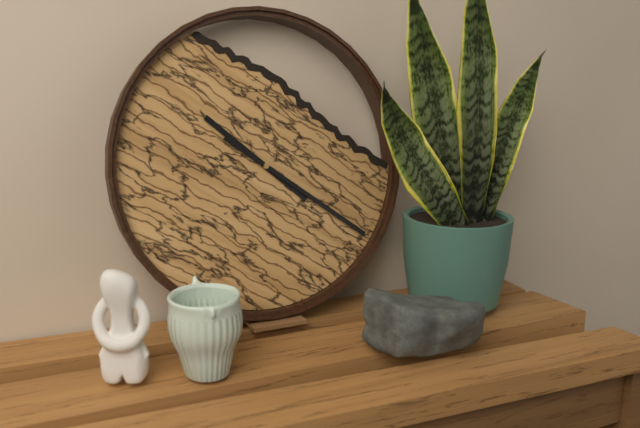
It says 10:21
